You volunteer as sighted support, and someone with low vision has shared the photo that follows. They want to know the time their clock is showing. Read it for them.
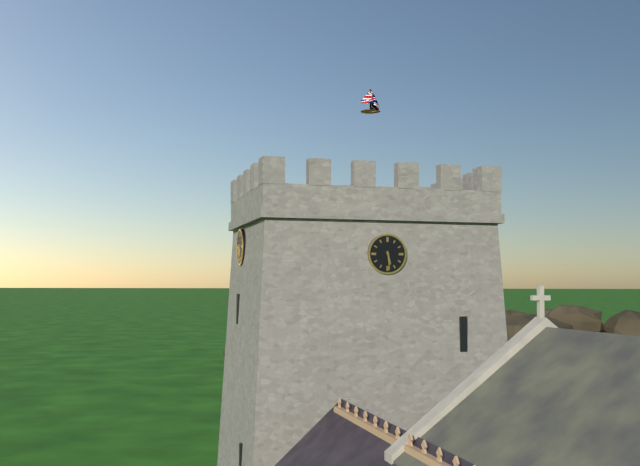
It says 5:29
